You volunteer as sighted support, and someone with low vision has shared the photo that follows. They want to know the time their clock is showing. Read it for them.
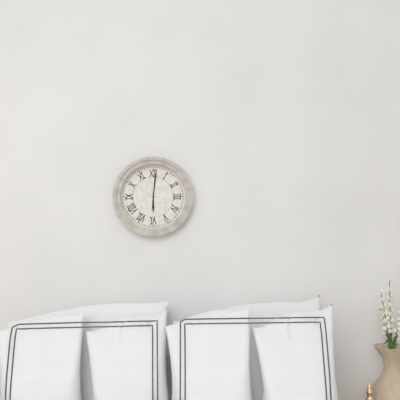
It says 6:01
